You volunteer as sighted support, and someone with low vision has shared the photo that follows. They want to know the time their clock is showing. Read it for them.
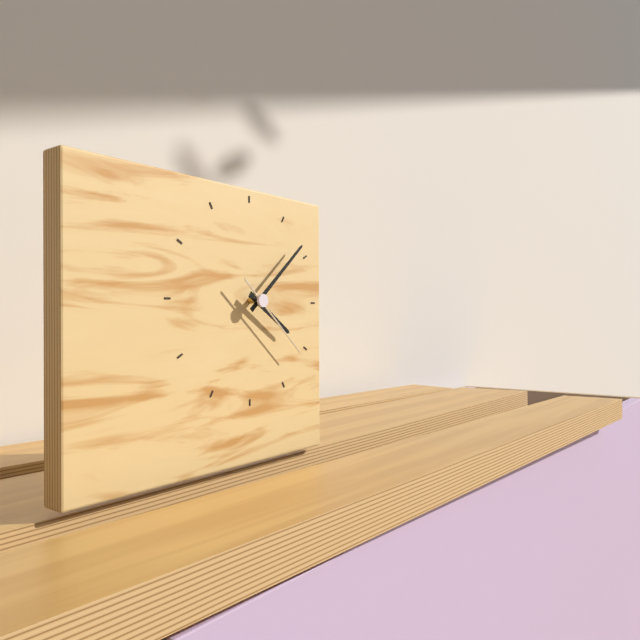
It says 4:08:22
